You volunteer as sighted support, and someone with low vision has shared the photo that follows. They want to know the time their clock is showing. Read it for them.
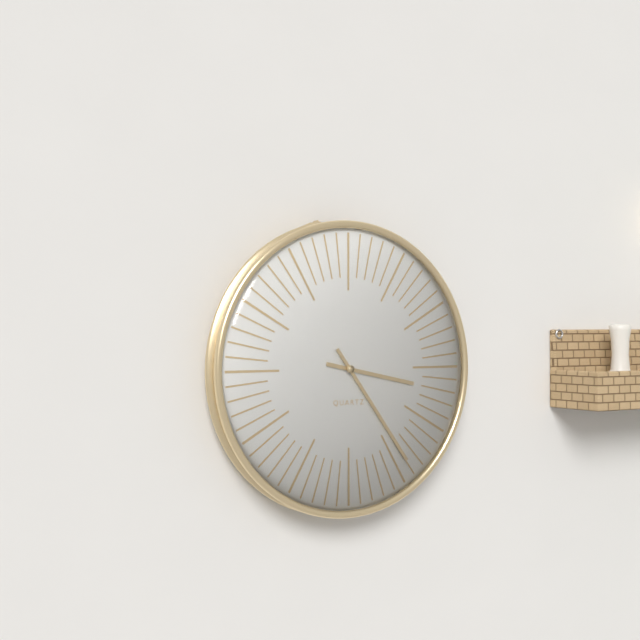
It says 3:24
